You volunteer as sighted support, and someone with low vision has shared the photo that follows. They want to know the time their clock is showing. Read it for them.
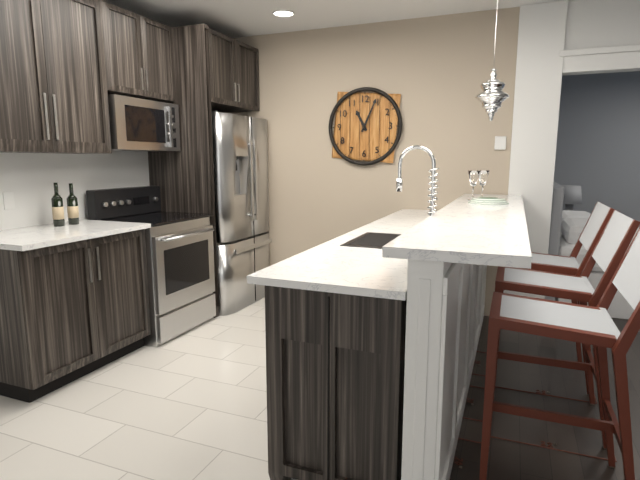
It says 11:04
